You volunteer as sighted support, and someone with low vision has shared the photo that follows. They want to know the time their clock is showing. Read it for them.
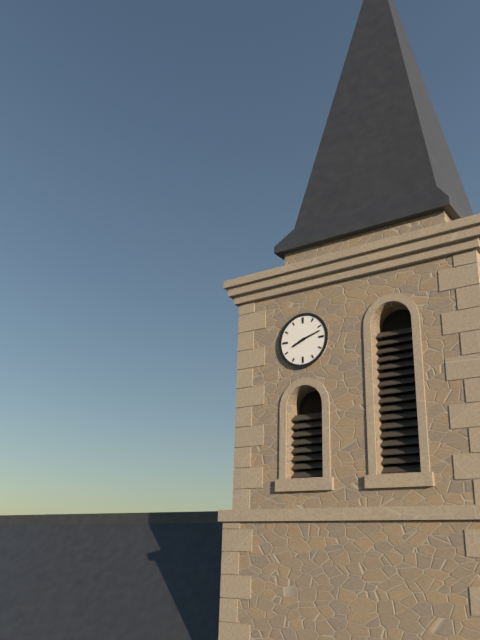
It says 8:12
